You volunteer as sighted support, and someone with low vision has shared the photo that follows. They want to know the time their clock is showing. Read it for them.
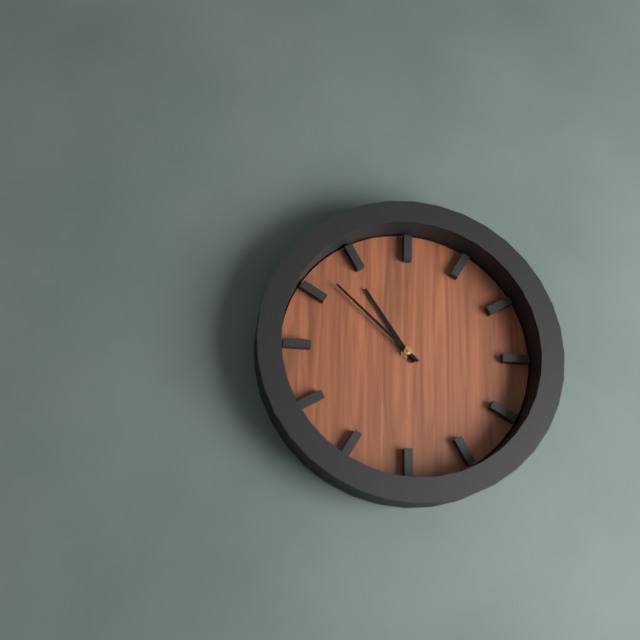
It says 10:52
